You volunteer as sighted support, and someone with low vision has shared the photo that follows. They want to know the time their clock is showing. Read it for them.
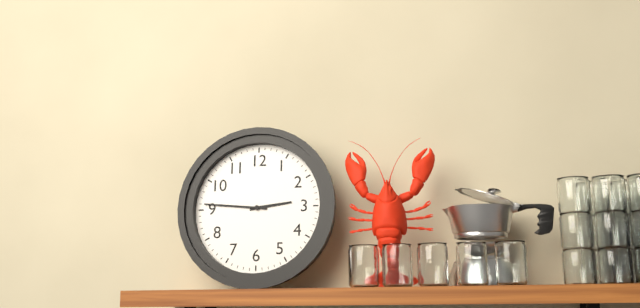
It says 2:46
